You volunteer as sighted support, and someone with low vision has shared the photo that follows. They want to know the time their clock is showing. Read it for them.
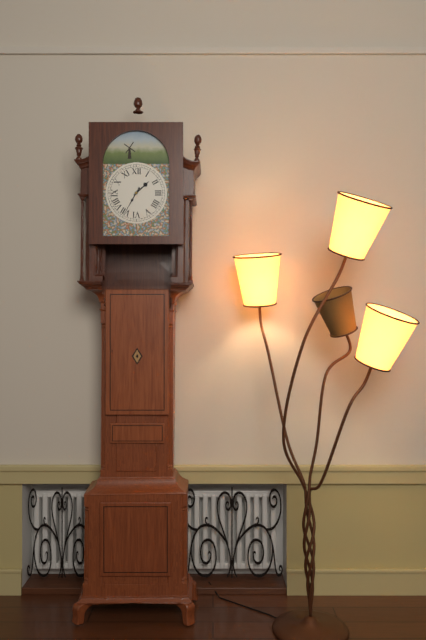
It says 1:35
